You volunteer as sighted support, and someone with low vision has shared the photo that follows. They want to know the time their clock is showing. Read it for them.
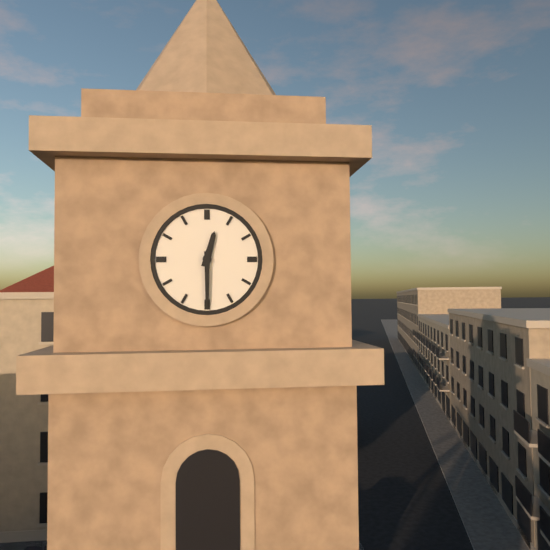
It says 12:30
